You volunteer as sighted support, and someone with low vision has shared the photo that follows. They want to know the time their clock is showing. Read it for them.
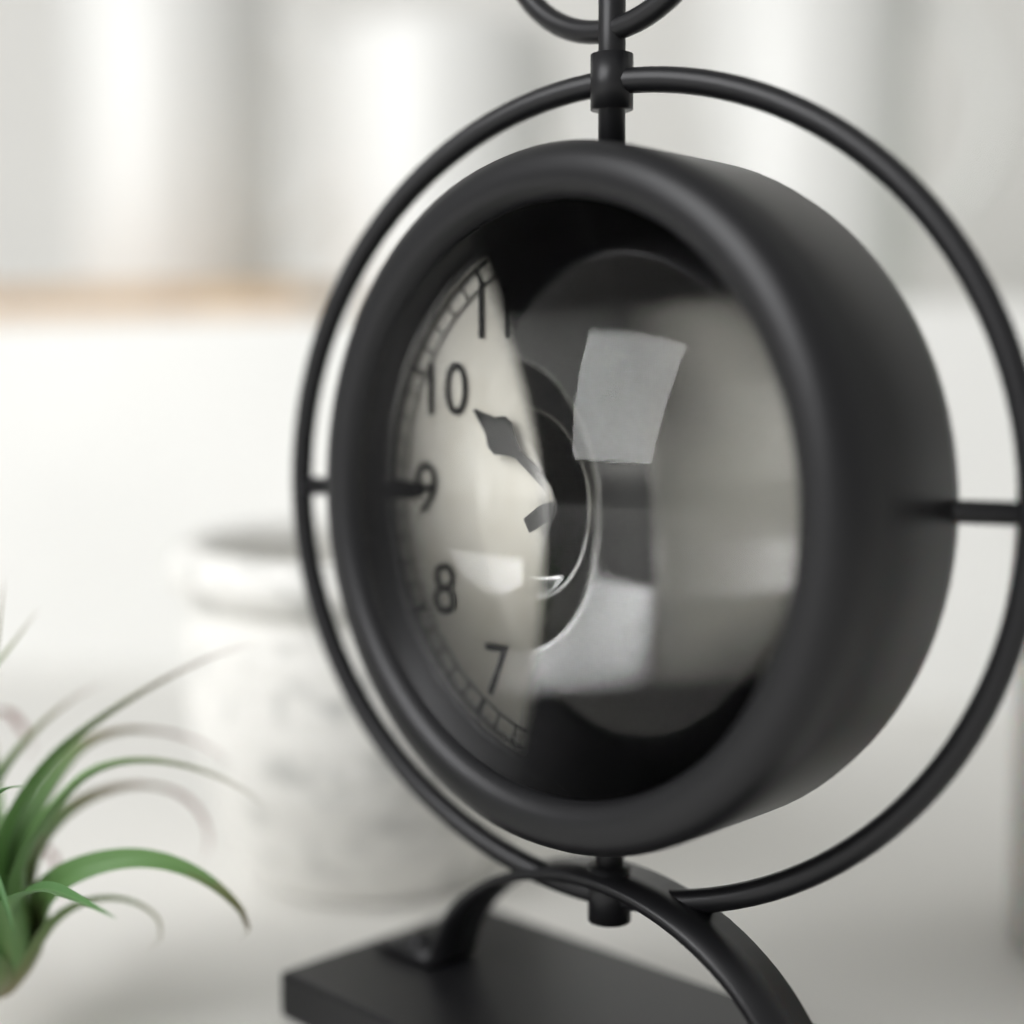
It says 10:10
